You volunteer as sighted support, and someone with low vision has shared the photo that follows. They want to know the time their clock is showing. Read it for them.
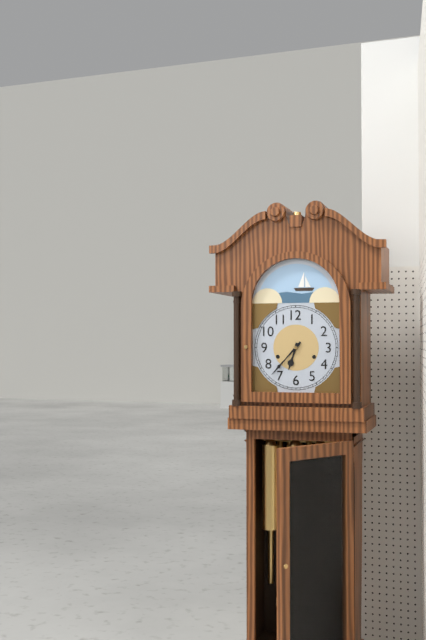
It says 6:37
